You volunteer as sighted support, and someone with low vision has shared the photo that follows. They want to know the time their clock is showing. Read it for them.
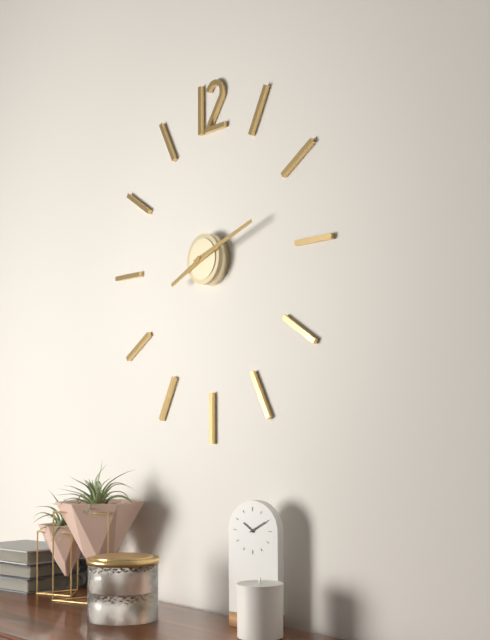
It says 8:12
